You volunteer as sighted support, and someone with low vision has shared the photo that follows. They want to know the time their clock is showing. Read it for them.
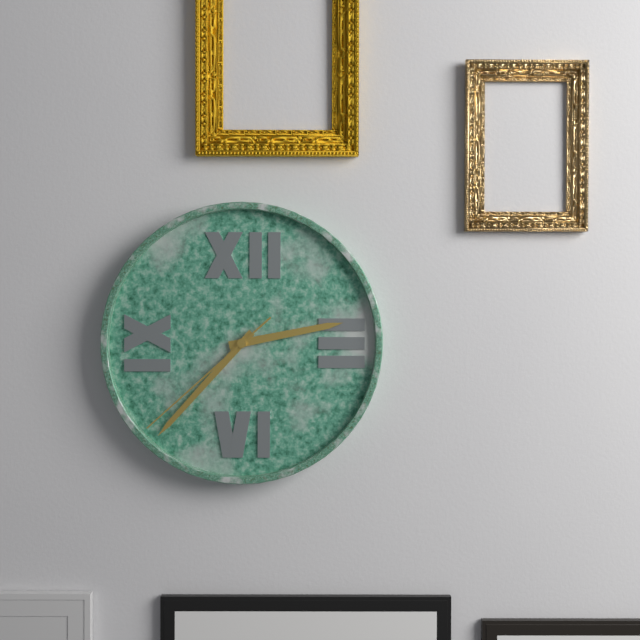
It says 2:37:38
